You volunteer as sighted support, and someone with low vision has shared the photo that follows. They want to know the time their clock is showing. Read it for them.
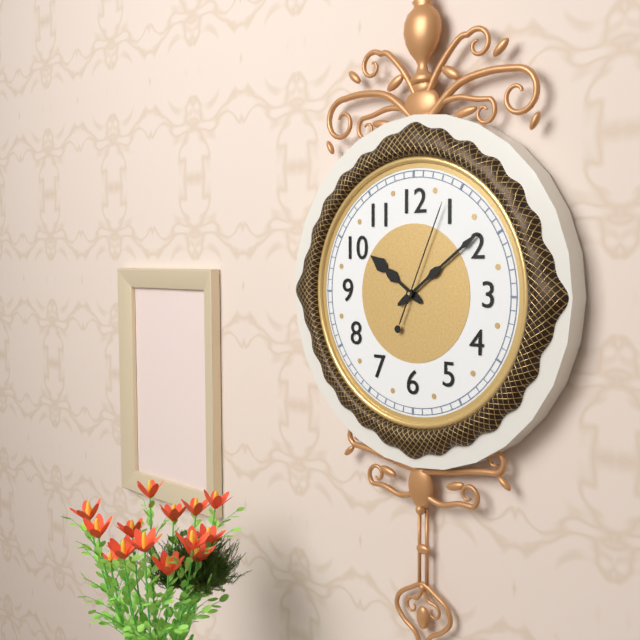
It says 10:09:04
